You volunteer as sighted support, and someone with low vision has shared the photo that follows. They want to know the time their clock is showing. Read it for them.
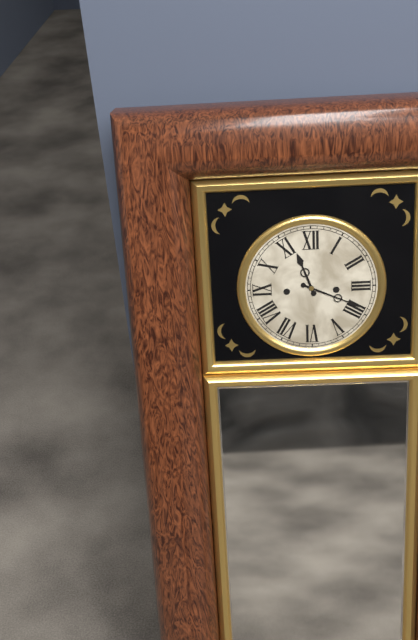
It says 11:19
